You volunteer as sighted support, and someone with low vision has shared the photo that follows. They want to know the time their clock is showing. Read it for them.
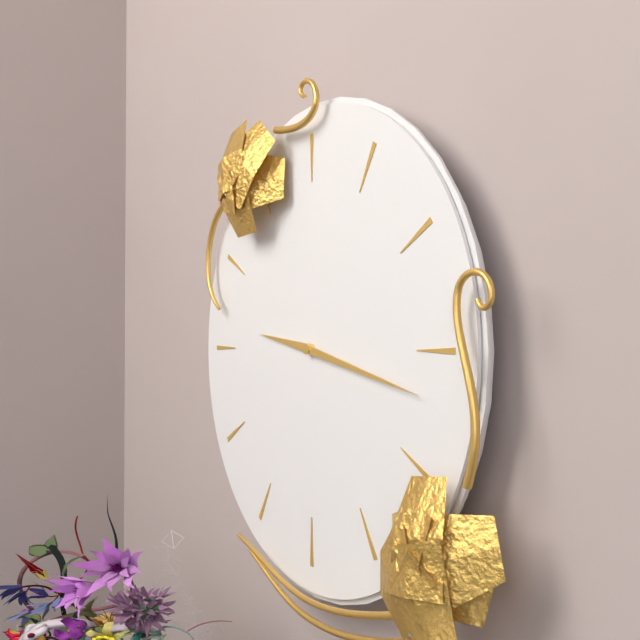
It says 9:17
